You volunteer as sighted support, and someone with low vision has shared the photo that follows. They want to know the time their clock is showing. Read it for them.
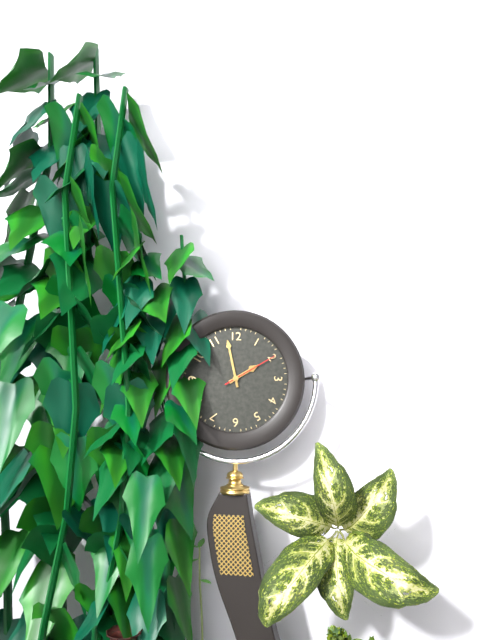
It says 1:58:10
